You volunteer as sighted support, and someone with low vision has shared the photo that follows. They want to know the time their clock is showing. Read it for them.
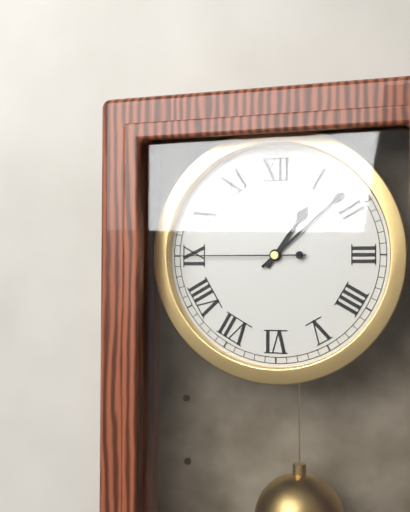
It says 1:08:45
